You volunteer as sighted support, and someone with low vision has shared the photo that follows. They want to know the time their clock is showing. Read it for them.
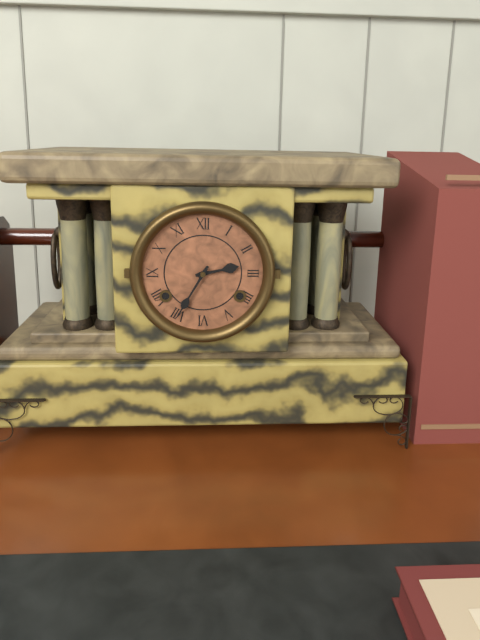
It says 2:35
